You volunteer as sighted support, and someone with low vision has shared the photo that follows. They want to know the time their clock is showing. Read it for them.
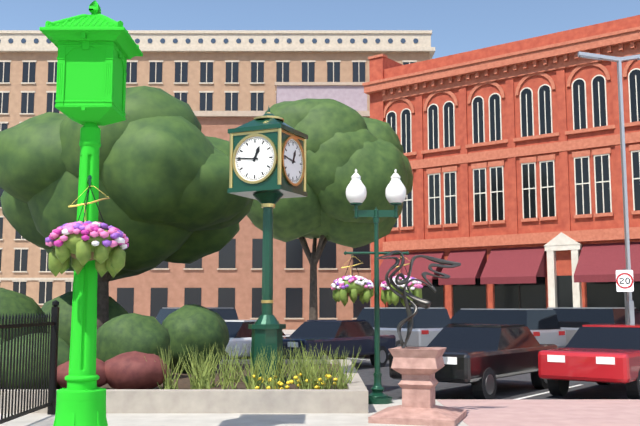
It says 12:46
